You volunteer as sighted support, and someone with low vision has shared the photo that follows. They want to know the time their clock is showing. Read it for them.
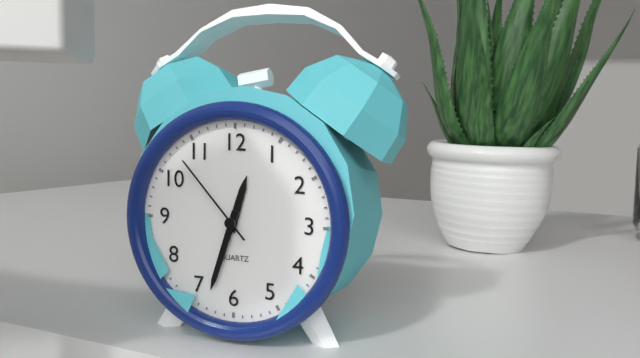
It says 12:33:53
